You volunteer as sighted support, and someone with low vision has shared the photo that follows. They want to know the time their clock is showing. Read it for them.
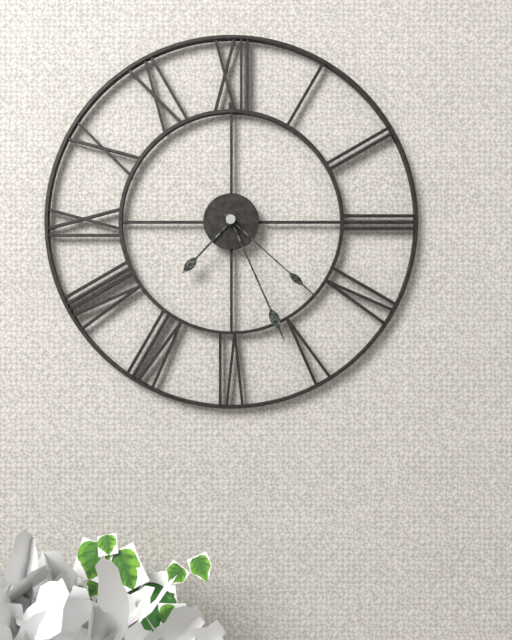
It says 7:26:22
